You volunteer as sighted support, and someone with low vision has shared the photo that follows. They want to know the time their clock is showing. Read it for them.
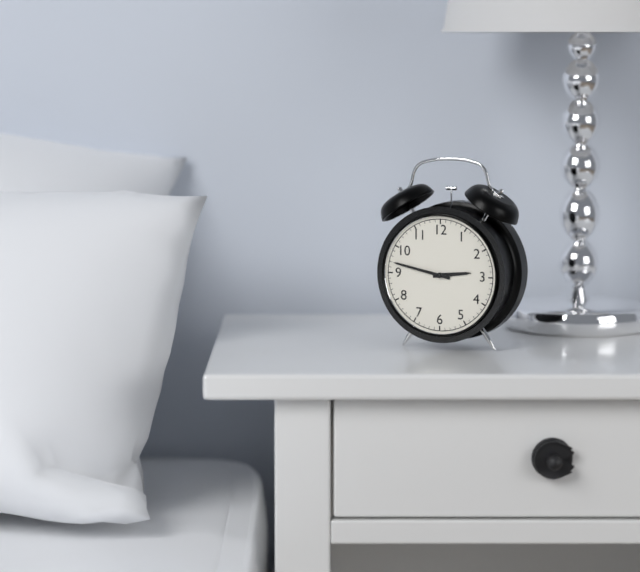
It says 2:47
